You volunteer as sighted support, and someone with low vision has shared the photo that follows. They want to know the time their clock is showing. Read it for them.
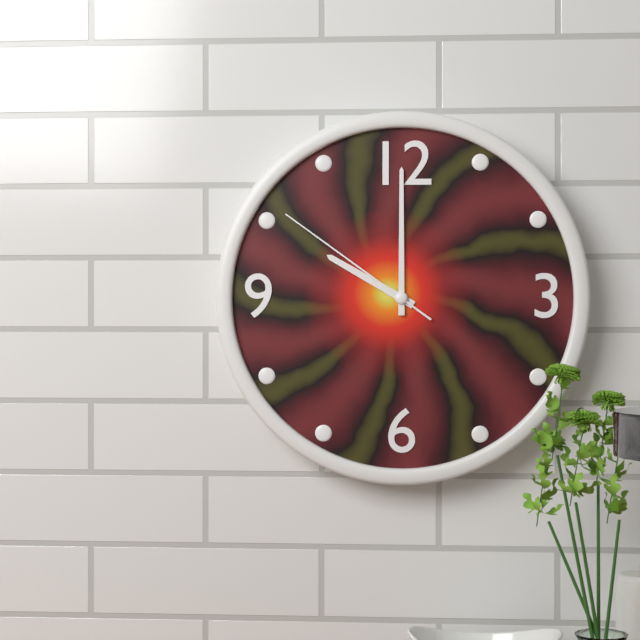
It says 10:00:51
